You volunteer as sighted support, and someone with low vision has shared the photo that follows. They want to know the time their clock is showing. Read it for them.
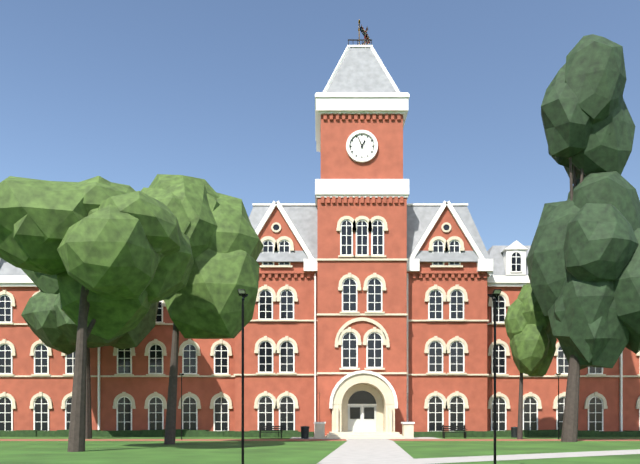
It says 12:56
